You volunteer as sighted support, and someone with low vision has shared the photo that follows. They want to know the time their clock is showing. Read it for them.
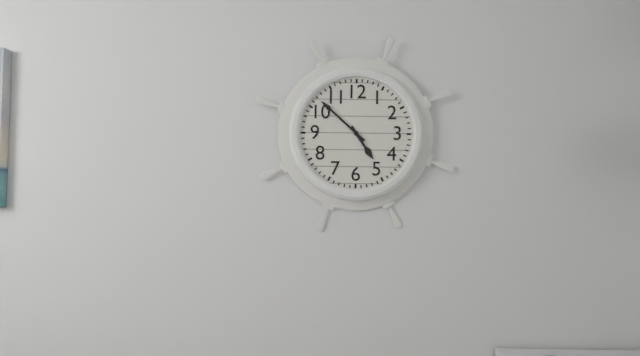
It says 4:52
